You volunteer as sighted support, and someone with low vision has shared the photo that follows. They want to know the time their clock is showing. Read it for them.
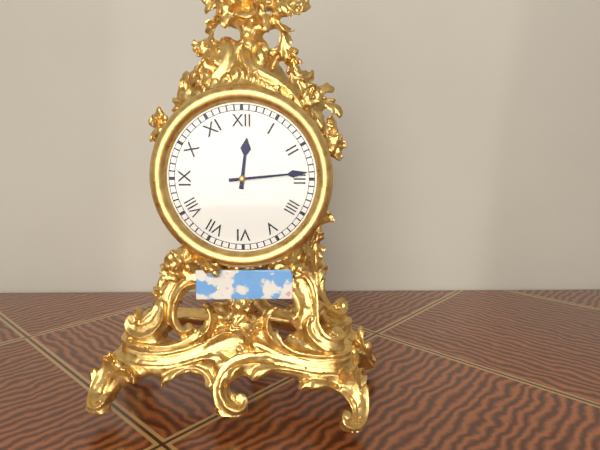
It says 12:14
